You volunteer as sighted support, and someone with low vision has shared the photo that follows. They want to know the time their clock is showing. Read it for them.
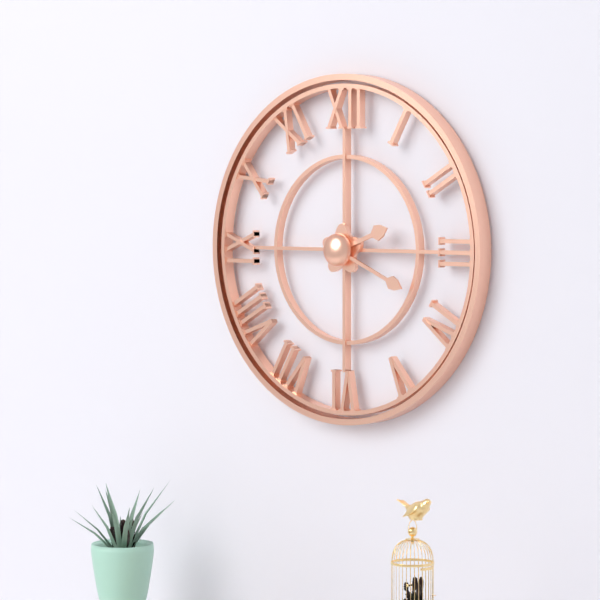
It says 2:19
